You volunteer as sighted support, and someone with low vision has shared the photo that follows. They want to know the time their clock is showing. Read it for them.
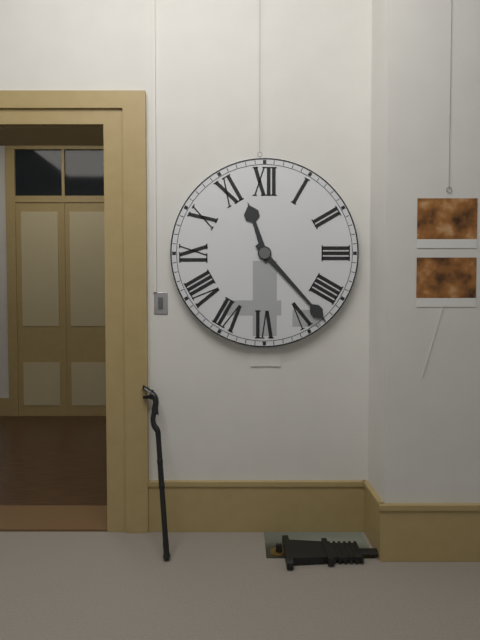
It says 11:23
